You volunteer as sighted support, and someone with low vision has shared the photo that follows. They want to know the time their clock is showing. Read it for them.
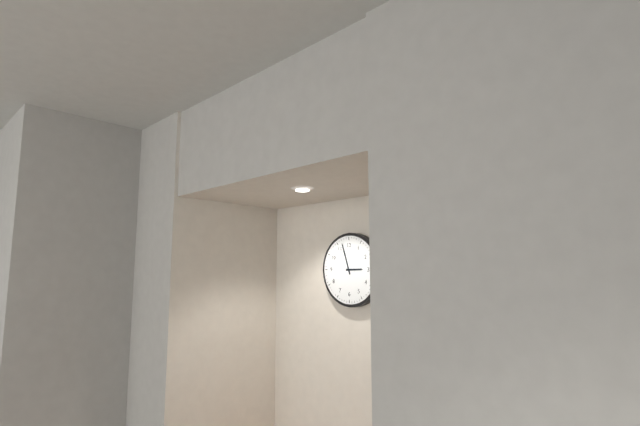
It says 2:57
